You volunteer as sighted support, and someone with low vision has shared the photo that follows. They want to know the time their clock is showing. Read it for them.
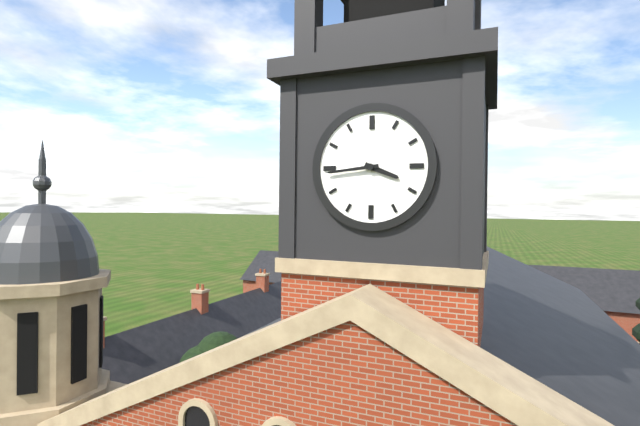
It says 3:44
